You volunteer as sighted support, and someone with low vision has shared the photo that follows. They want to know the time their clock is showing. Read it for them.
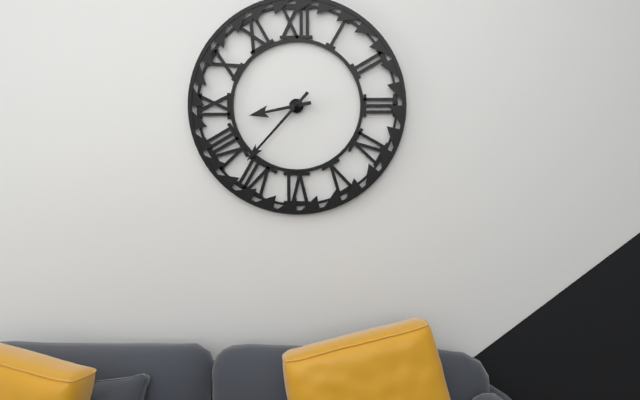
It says 8:37
